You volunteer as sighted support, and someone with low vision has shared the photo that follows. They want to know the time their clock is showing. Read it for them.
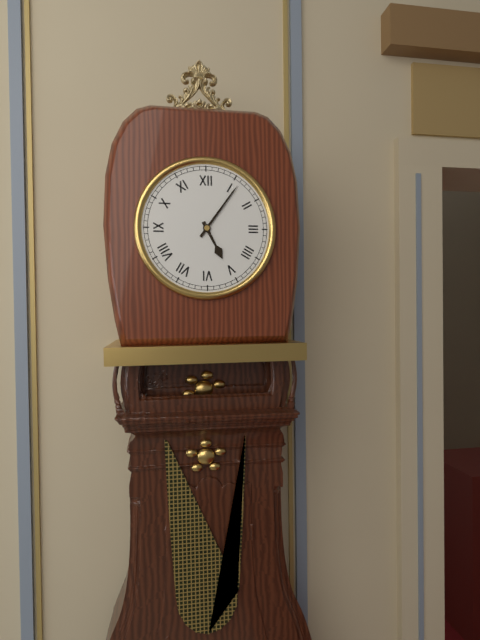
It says 5:06
